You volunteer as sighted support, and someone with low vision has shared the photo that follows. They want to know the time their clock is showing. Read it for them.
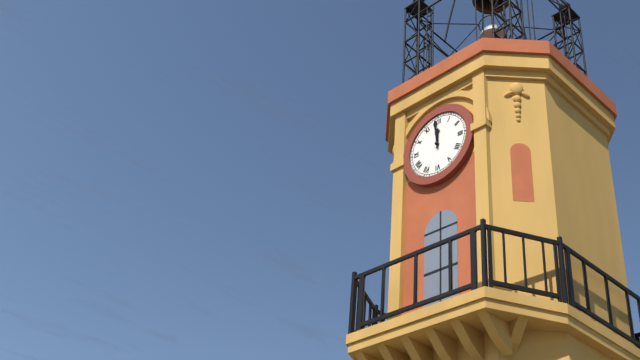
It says 11:59
